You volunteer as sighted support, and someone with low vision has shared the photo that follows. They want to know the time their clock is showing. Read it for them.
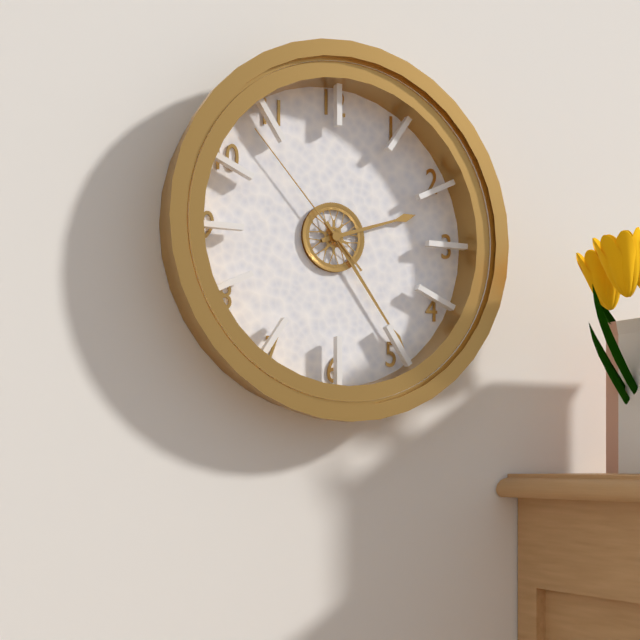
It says 2:24:53
